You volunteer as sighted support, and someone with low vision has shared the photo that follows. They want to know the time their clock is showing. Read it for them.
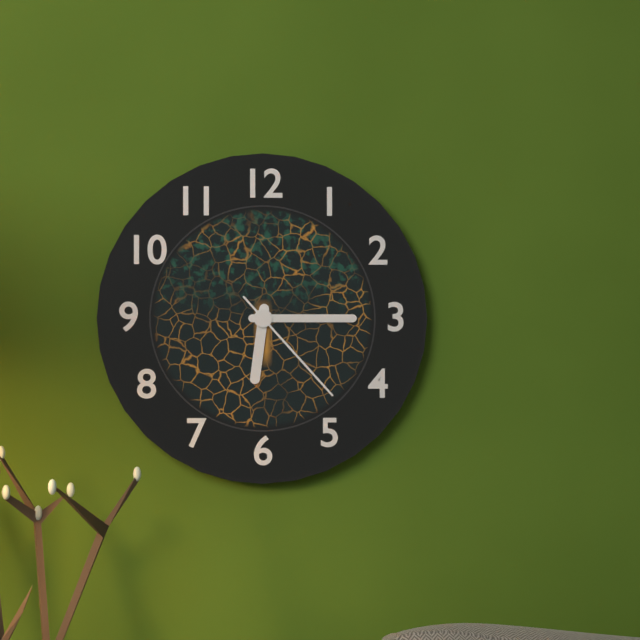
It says 6:15:23
